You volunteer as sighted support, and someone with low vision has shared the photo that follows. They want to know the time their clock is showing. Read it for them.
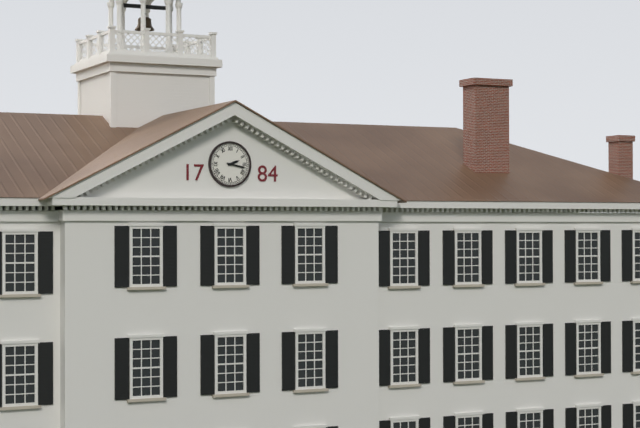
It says 2:17
